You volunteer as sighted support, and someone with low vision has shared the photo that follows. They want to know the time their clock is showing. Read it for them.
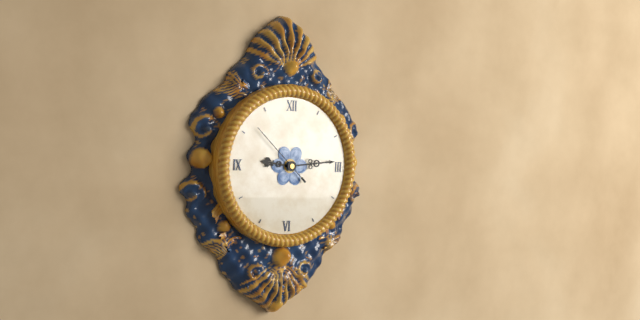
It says 9:14:52
